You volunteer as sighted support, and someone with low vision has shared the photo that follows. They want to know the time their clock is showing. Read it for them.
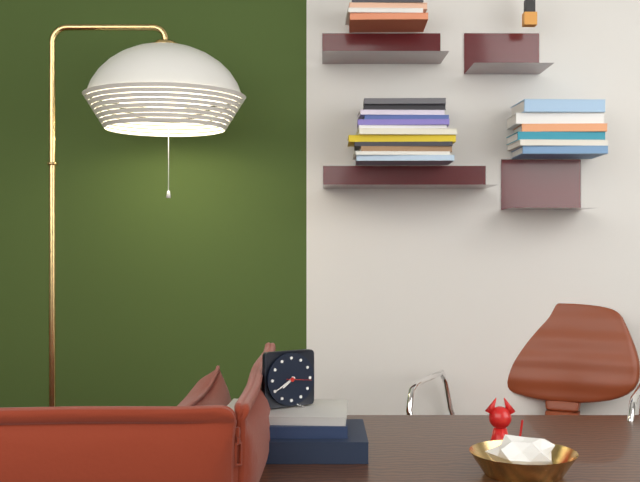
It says 7:40
